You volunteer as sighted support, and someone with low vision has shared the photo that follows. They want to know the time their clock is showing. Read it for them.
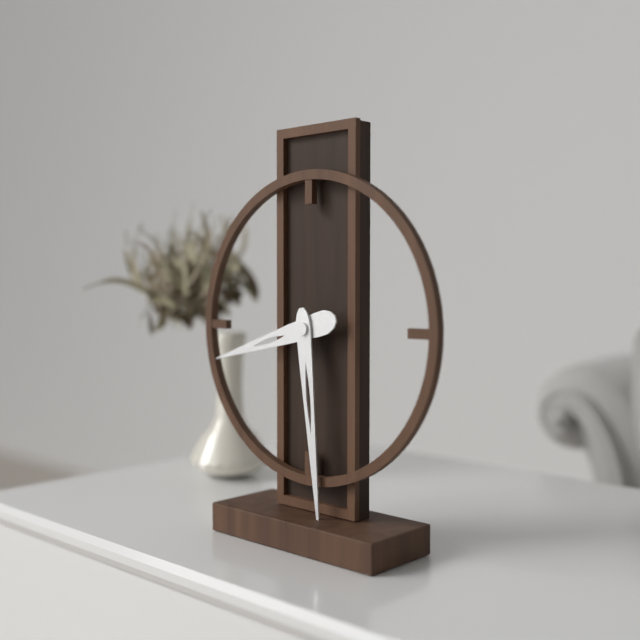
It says 8:29
